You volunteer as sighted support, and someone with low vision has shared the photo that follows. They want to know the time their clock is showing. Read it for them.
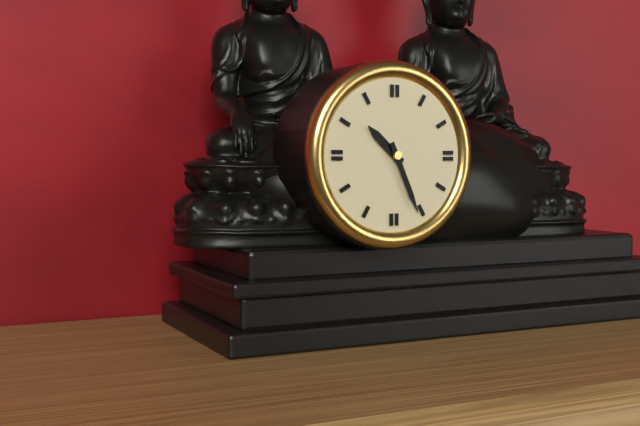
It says 10:26
